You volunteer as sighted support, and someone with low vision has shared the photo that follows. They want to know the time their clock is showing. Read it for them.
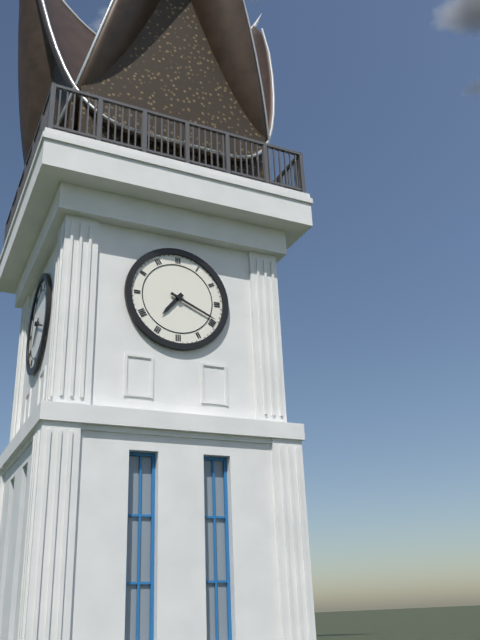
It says 7:19
